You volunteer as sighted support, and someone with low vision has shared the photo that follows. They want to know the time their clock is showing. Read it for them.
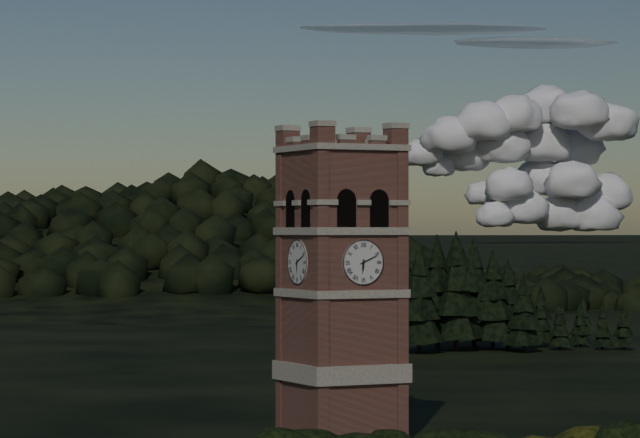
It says 6:11
